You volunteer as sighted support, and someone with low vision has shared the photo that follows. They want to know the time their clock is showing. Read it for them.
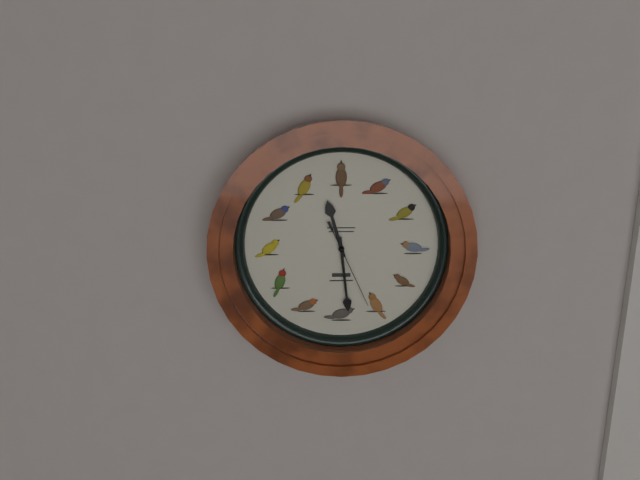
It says 11:29:26
